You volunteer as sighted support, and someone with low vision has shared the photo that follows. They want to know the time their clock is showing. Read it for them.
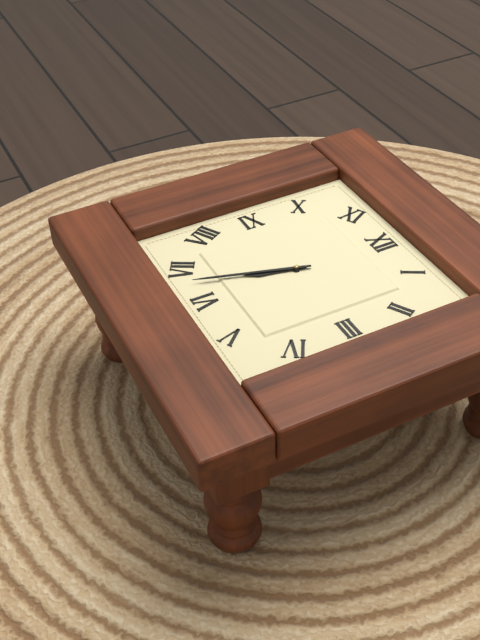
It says 6:33
